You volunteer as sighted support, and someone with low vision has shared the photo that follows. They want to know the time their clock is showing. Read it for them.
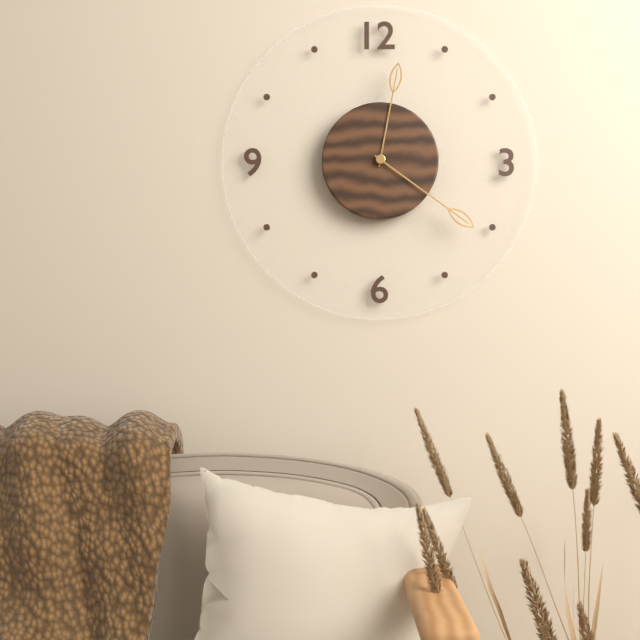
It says 12:21
